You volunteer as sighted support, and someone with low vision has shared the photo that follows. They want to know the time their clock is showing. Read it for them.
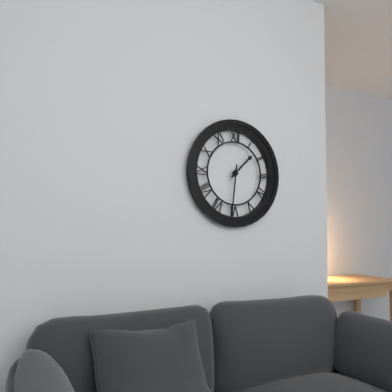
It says 1:31
